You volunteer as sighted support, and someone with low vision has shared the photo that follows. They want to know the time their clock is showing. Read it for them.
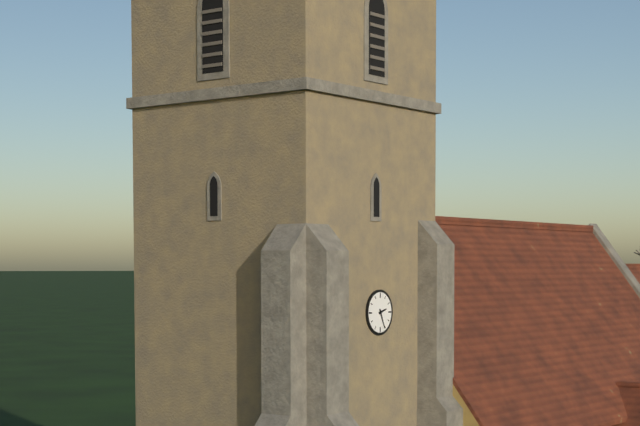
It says 2:26
